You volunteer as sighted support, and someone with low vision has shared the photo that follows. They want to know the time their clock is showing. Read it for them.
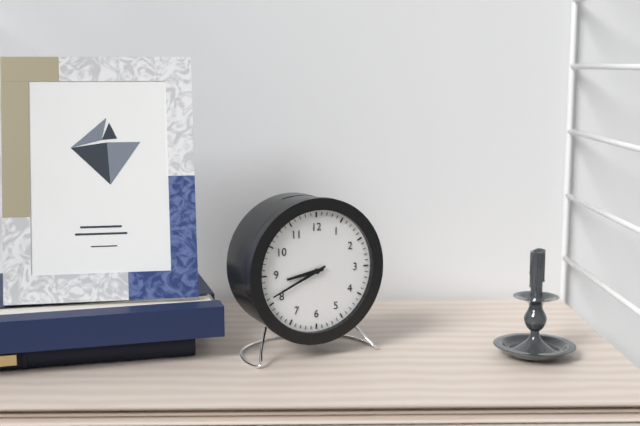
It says 8:41
